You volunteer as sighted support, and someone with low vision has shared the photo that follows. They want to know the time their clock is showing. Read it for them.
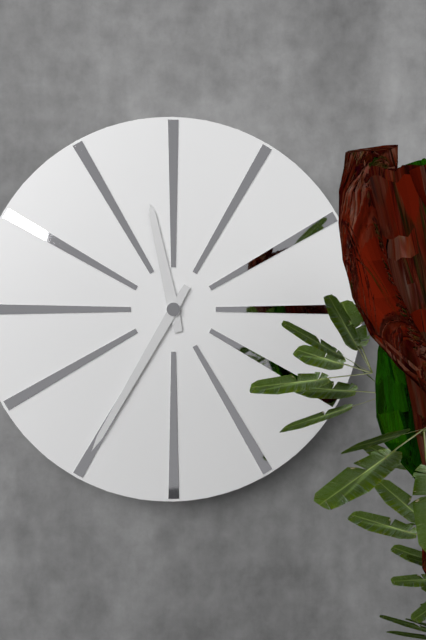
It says 11:35
